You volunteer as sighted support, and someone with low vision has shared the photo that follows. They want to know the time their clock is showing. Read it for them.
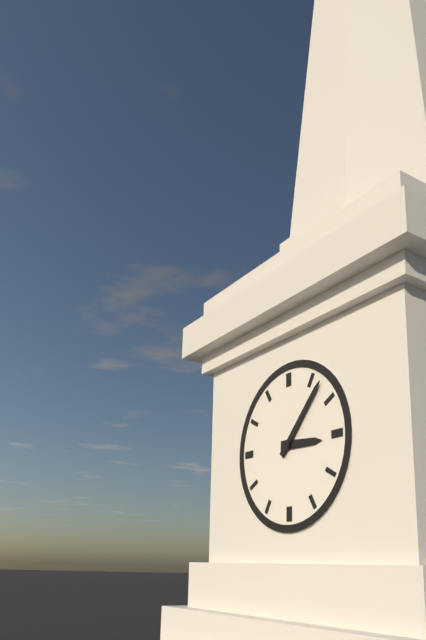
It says 3:07
